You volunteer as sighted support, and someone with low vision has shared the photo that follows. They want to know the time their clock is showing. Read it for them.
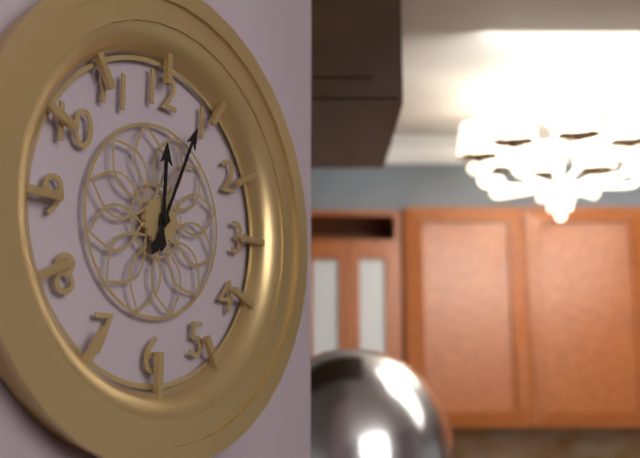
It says 12:04
